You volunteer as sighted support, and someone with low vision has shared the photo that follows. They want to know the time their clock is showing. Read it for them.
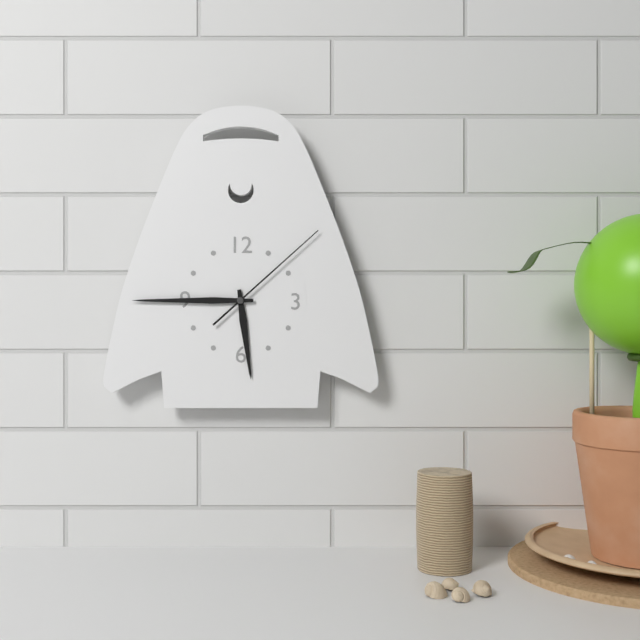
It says 5:45:08
